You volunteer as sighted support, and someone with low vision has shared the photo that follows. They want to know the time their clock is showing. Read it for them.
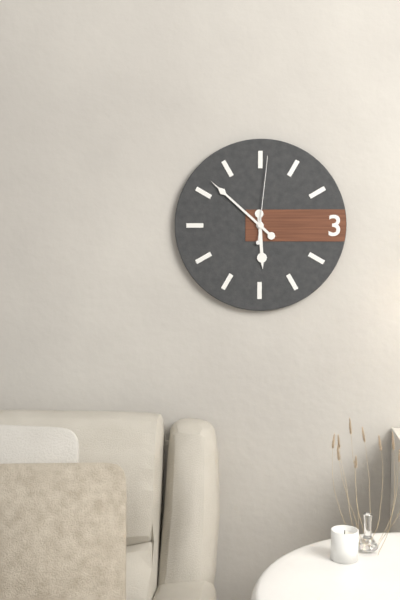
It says 5:52:01
